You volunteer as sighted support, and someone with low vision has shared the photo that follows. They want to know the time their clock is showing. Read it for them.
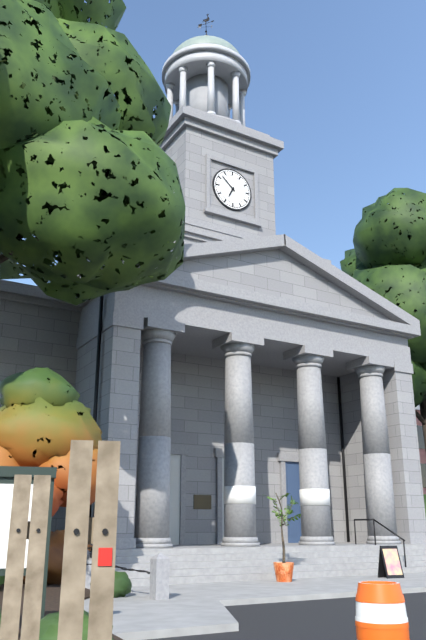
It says 6:52
